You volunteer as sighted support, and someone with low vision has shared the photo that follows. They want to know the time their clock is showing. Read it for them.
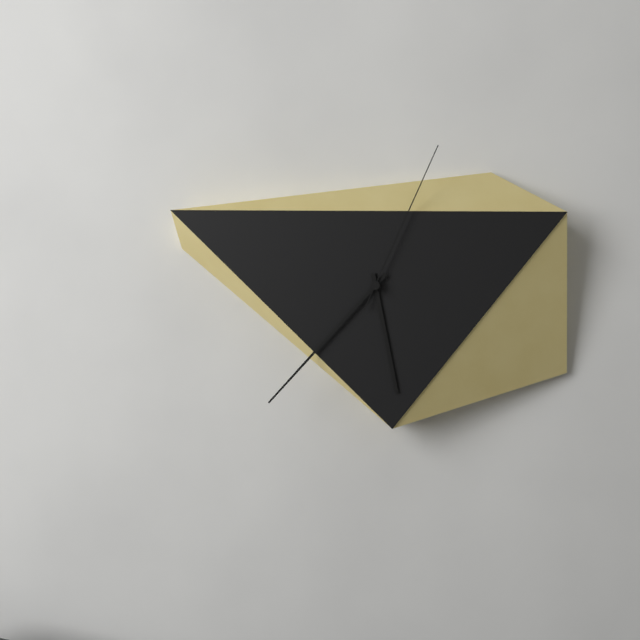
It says 5:37:04
